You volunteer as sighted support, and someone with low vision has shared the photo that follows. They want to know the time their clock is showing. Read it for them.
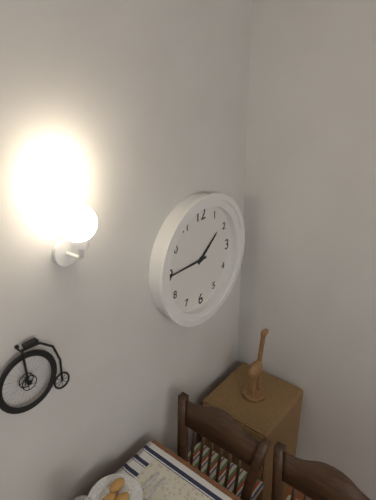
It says 1:45
